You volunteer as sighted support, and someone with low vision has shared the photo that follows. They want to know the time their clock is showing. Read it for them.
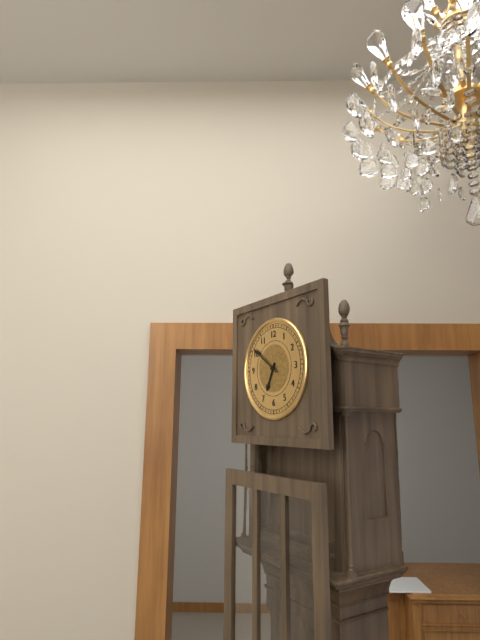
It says 6:51
